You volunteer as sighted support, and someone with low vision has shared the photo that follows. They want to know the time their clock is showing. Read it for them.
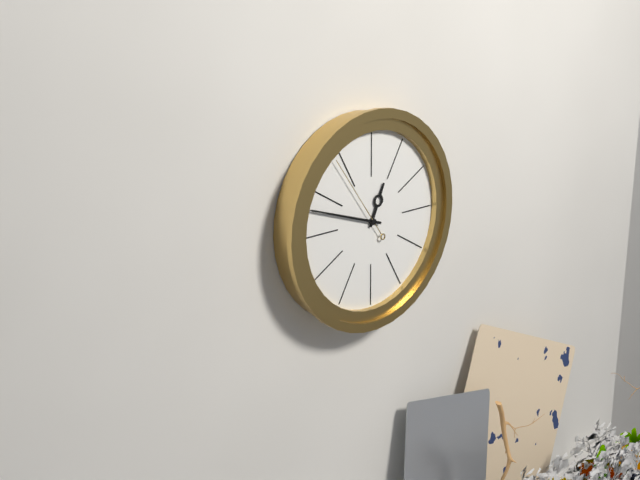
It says 12:48:54
